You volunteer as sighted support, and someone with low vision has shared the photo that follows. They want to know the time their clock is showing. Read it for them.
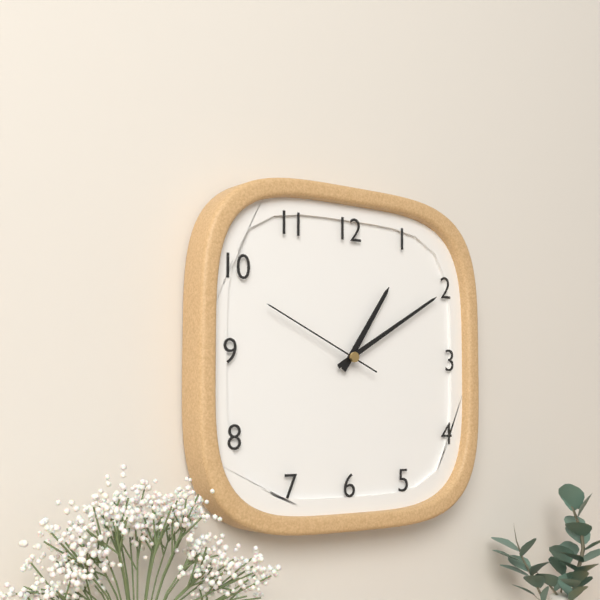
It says 1:10:49
